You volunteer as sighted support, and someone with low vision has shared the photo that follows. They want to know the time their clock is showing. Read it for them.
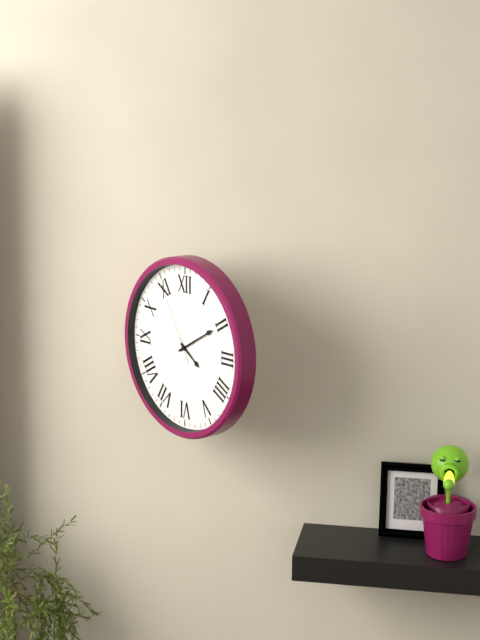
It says 4:10:55
